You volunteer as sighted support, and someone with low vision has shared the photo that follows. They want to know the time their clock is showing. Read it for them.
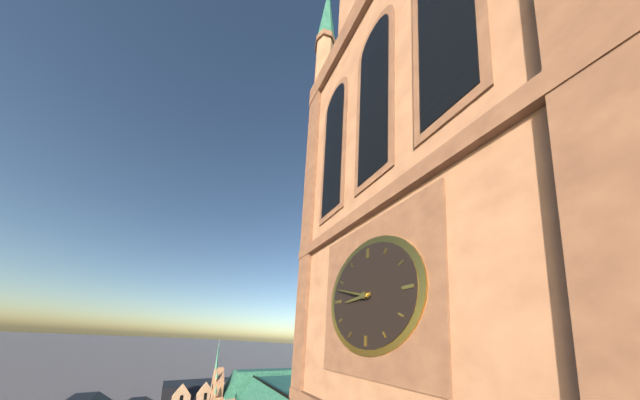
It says 8:48
